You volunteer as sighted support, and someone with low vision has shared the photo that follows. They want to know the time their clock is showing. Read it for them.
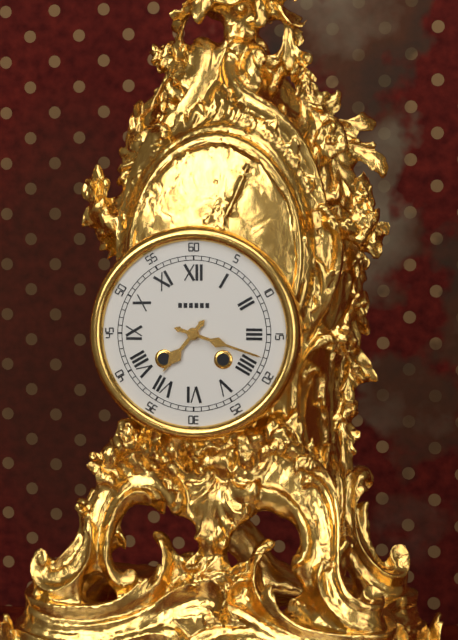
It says 7:18
